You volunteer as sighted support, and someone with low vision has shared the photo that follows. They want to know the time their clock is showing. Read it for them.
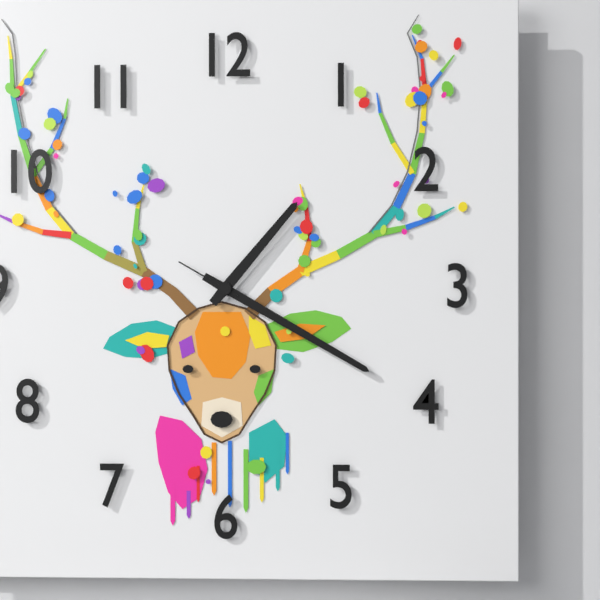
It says 1:20:50
